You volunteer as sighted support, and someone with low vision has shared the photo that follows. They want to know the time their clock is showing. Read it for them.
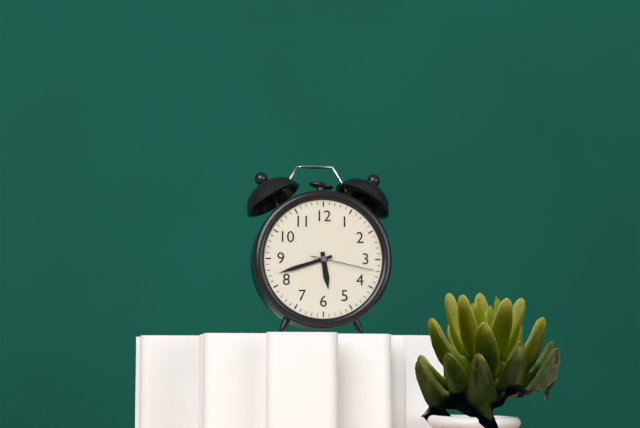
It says 5:42:17
